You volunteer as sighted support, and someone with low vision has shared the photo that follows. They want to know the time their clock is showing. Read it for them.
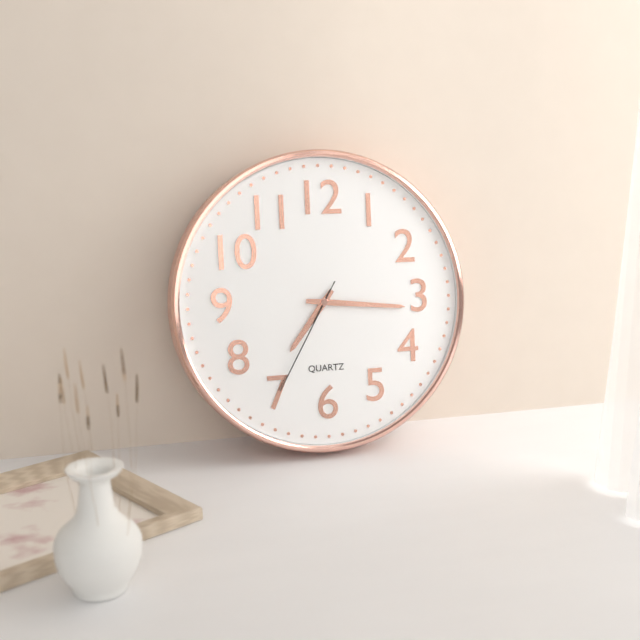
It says 7:16:35
